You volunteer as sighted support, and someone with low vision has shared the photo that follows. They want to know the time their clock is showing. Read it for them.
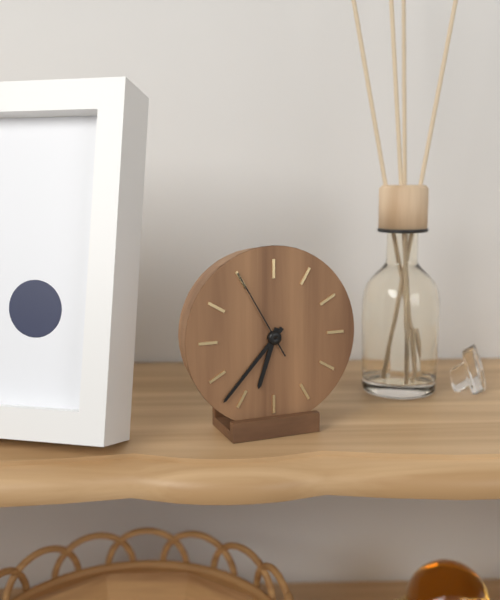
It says 6:37:55
